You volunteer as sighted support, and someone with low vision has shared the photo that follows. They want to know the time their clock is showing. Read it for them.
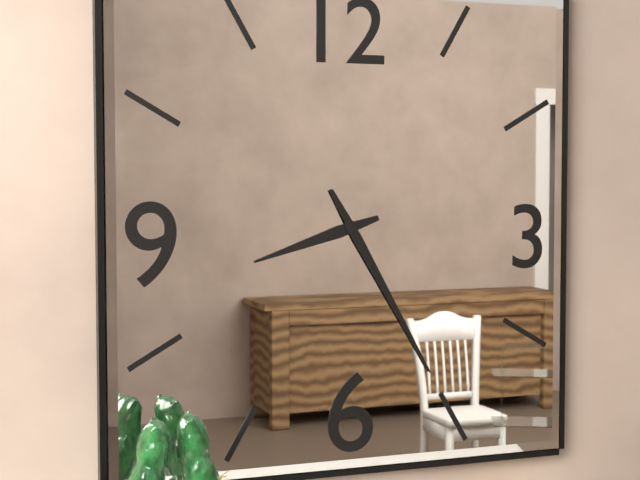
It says 8:25
